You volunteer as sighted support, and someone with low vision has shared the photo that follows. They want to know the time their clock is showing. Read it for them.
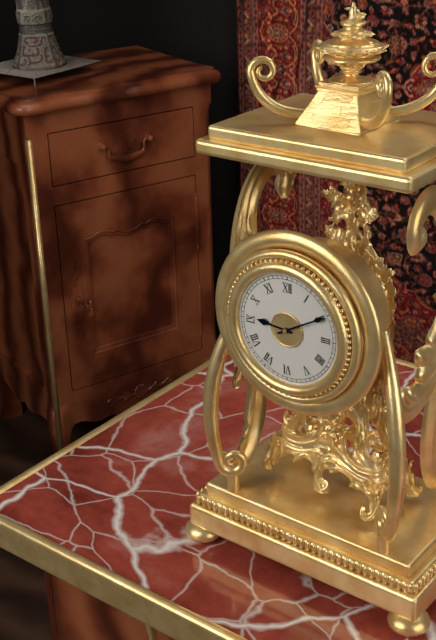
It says 9:10
